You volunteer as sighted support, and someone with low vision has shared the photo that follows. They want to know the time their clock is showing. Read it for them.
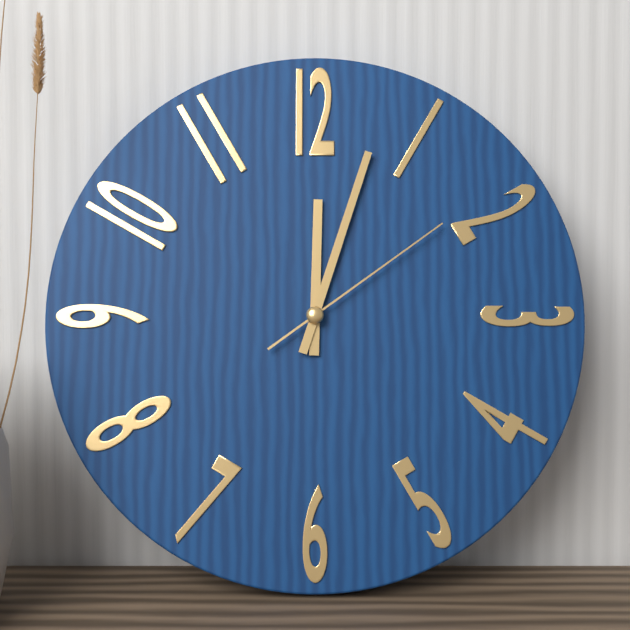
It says 12:03:09
